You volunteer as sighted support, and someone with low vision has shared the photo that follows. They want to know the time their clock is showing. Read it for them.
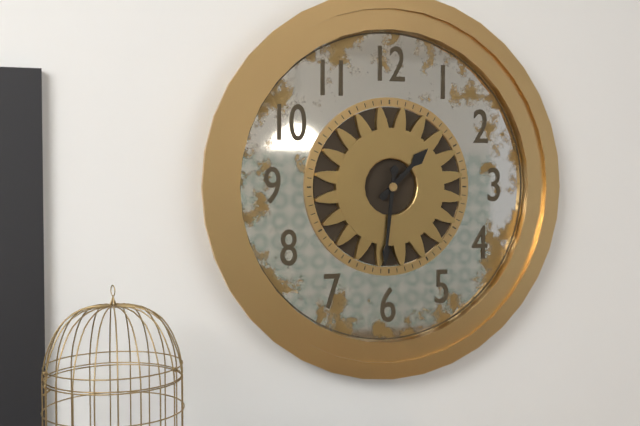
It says 1:31
